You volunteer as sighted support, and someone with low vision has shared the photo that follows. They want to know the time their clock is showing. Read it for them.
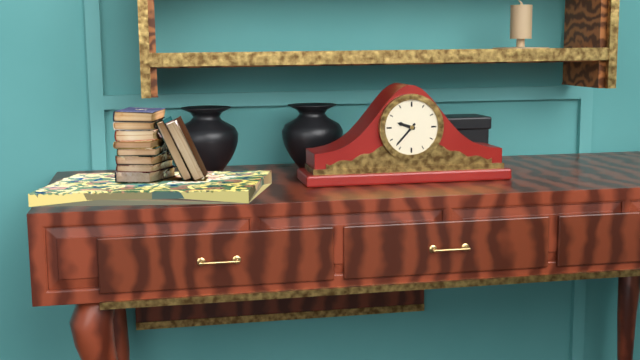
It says 9:37
